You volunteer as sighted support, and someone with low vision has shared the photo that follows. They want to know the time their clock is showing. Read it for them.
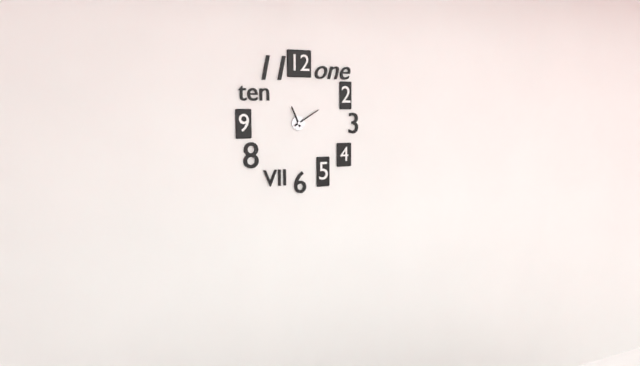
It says 11:10
